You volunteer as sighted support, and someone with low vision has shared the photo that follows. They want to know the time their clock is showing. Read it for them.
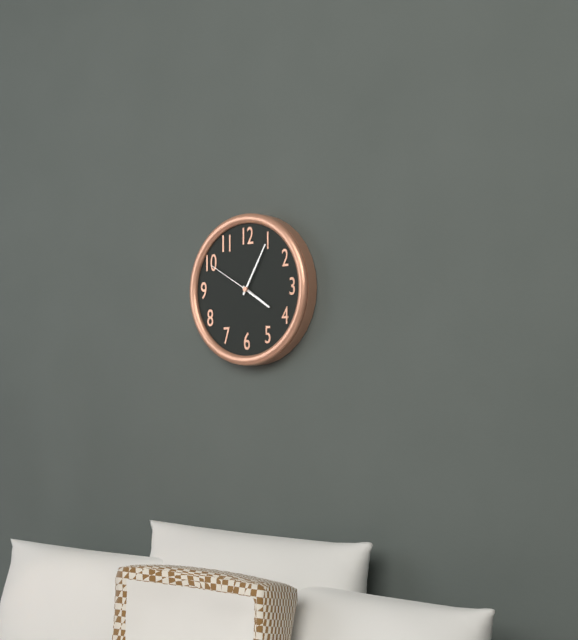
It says 4:05:50
